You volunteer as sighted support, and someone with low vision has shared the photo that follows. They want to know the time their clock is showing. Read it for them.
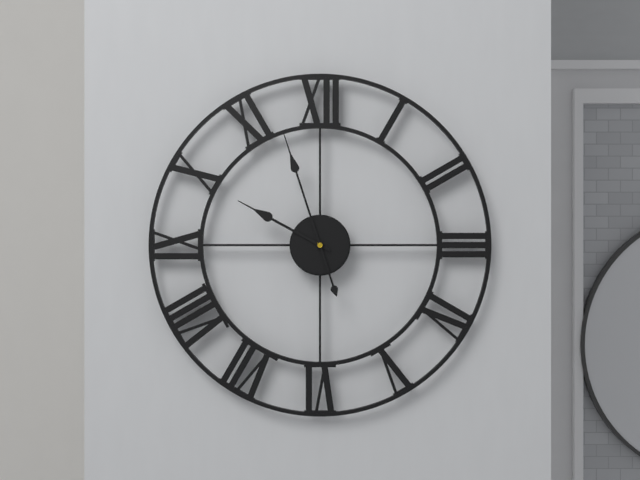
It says 9:57
